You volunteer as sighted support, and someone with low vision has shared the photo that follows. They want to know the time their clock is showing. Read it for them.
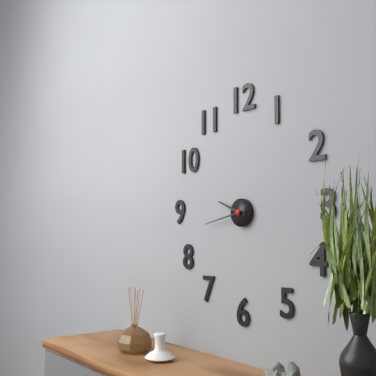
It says 9:43
